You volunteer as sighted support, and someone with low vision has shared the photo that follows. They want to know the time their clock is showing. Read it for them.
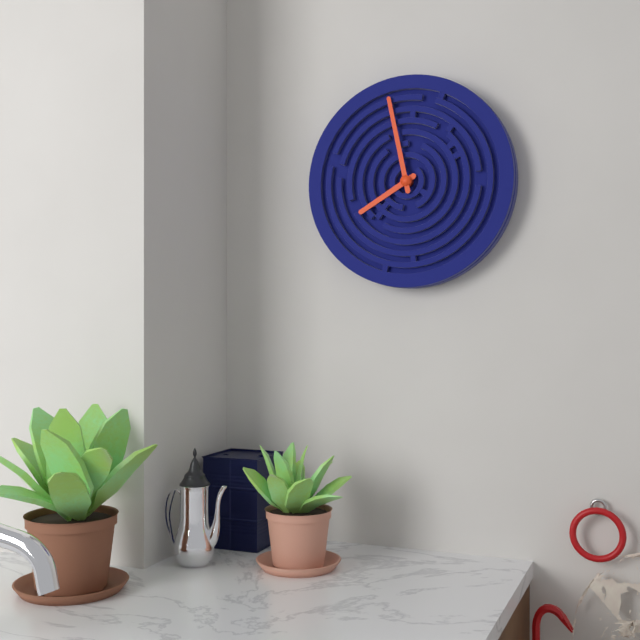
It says 7:58
